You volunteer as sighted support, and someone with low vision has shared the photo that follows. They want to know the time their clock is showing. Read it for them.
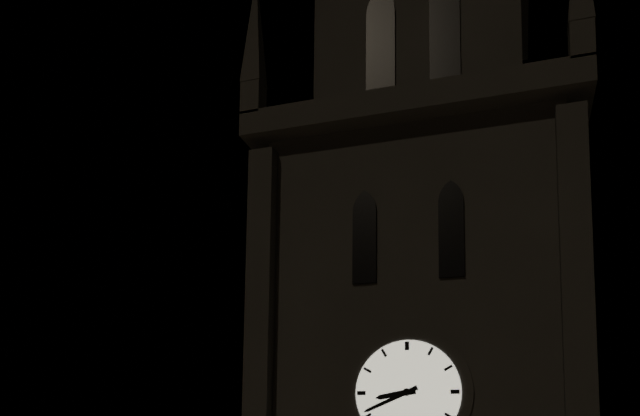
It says 8:41
